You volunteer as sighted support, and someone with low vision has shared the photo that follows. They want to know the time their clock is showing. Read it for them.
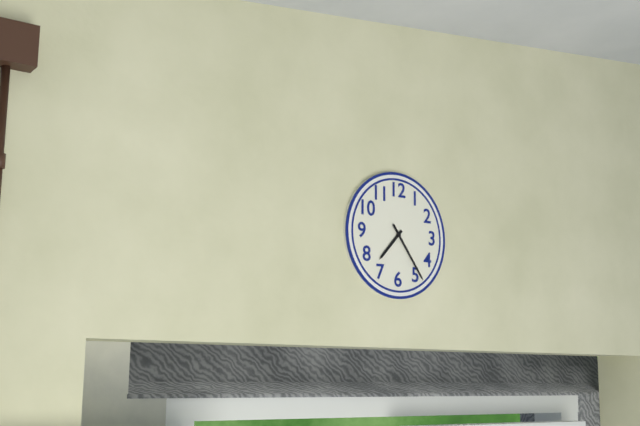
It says 7:24
